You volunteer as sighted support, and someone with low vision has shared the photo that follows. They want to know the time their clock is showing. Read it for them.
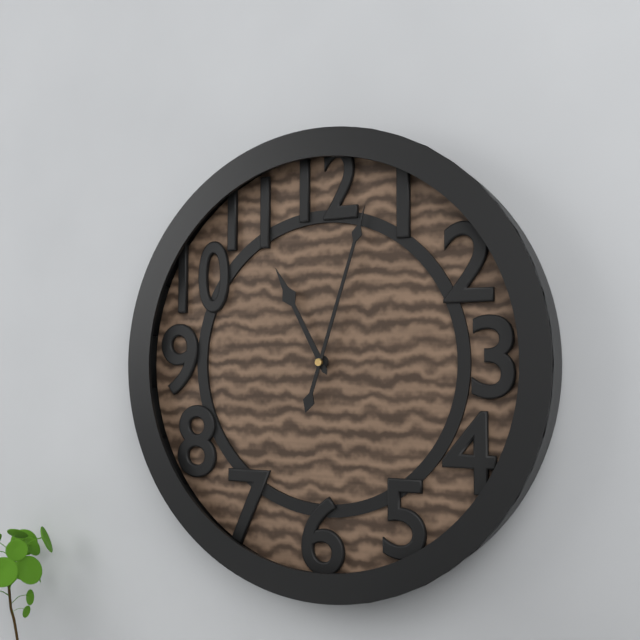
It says 11:03
